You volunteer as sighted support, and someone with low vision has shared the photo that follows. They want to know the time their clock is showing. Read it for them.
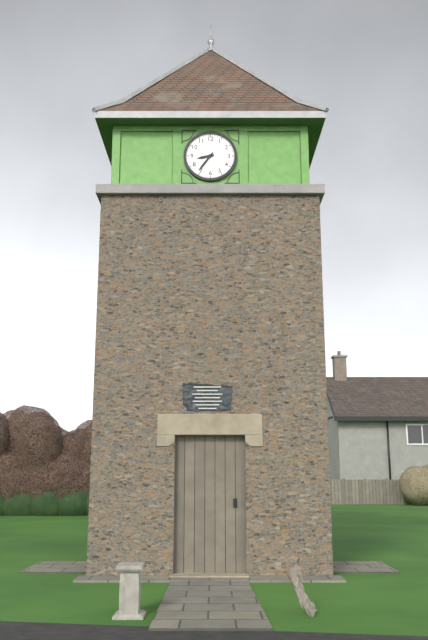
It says 8:36
